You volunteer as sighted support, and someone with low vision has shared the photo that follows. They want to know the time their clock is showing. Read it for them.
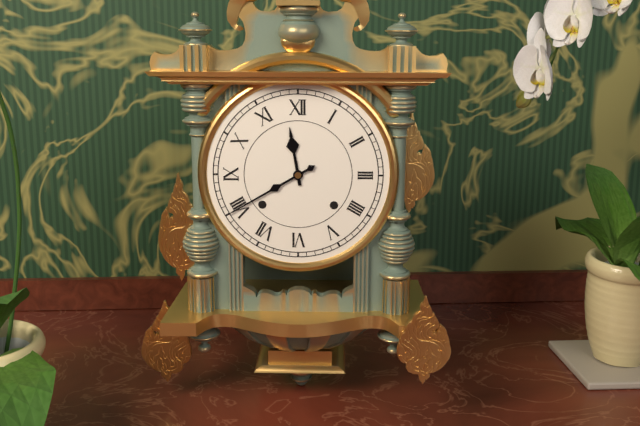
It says 11:40
